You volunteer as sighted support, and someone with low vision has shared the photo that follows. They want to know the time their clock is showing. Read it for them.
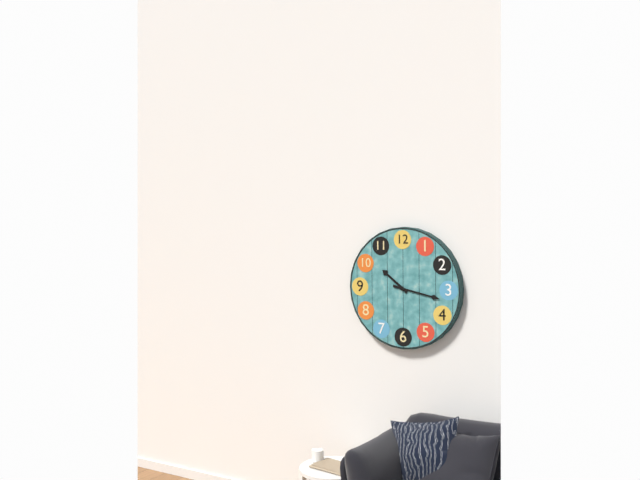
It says 10:17
